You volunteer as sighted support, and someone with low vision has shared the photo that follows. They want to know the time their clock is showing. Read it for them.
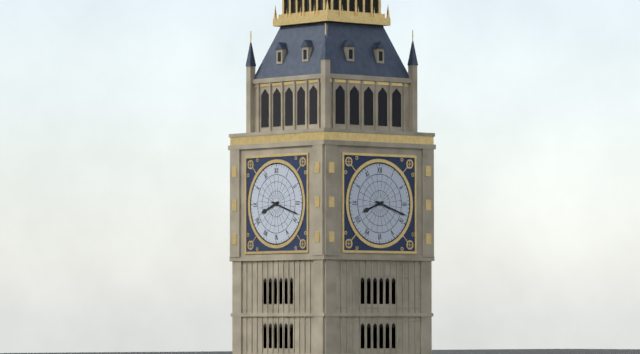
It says 8:18
